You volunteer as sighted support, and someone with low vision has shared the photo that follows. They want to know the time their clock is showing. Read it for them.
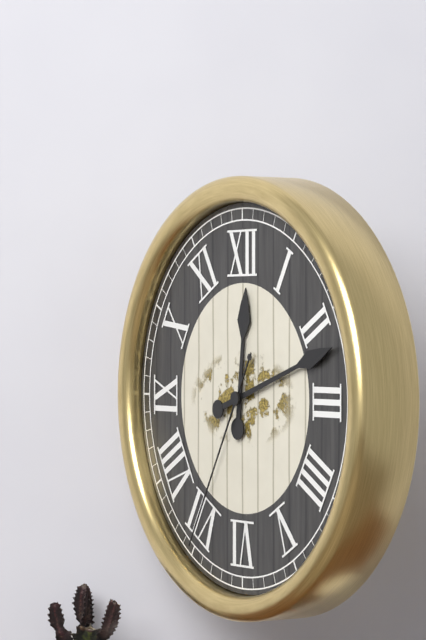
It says 12:12:35
